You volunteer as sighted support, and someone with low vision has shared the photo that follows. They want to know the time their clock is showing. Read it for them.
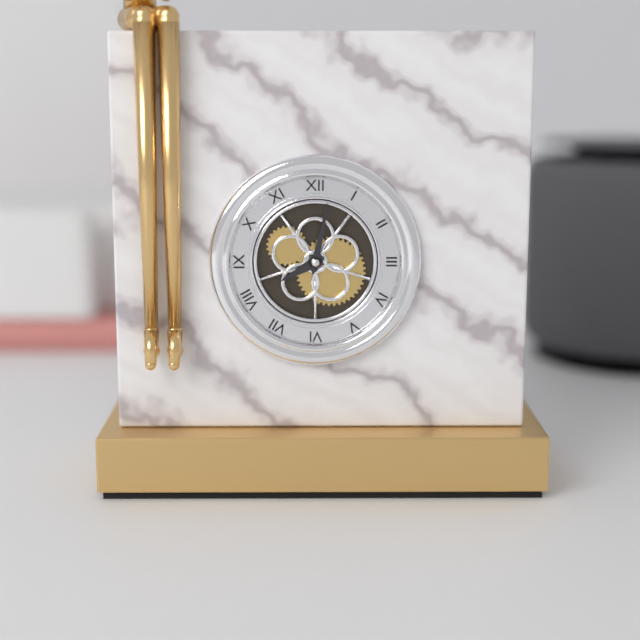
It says 8:02
